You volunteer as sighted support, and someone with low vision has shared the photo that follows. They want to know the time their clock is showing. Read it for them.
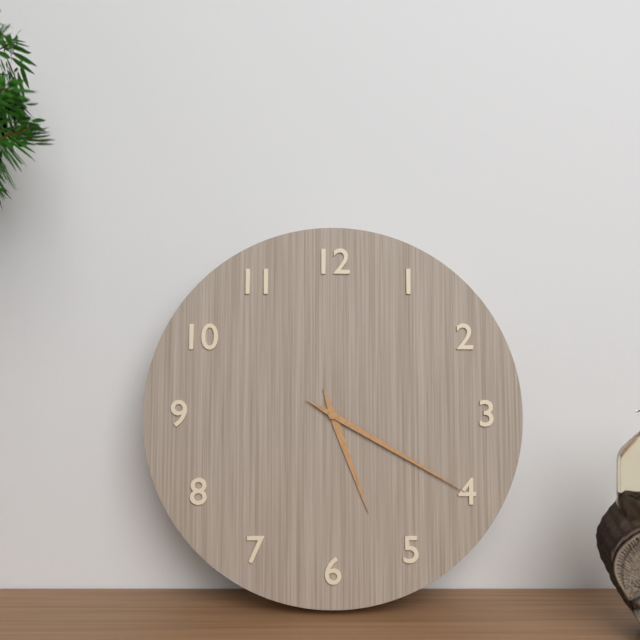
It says 5:20
